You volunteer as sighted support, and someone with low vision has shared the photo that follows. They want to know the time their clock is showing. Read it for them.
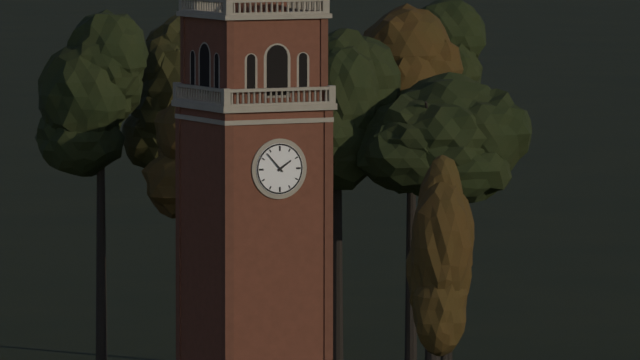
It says 1:53
